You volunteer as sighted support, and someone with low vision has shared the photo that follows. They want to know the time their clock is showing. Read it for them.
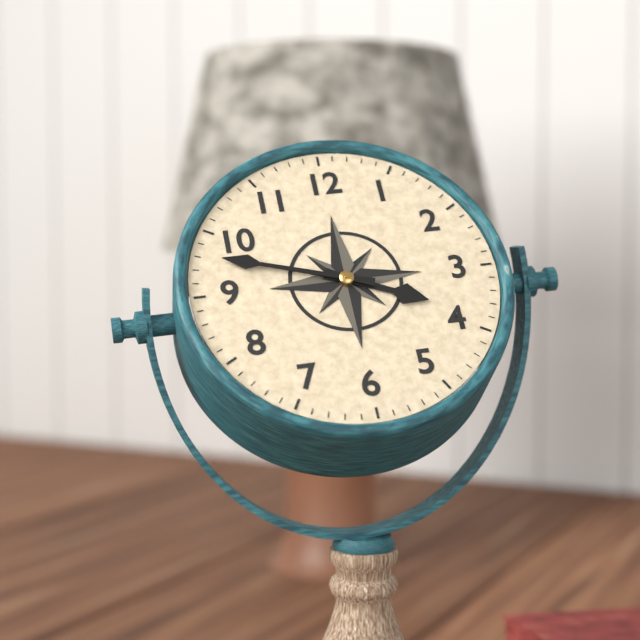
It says 3:48
